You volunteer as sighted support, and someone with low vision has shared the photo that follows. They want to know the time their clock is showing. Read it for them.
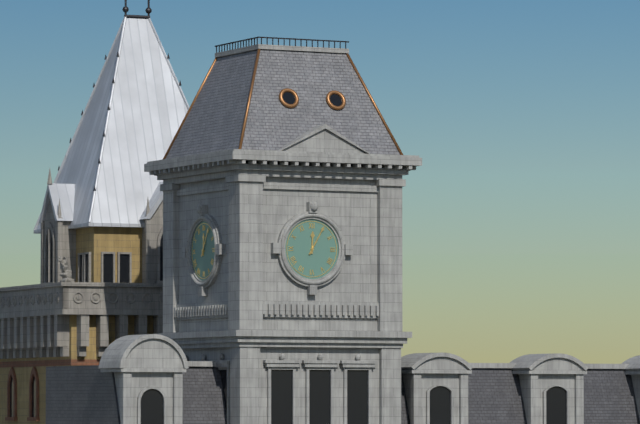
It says 12:05
